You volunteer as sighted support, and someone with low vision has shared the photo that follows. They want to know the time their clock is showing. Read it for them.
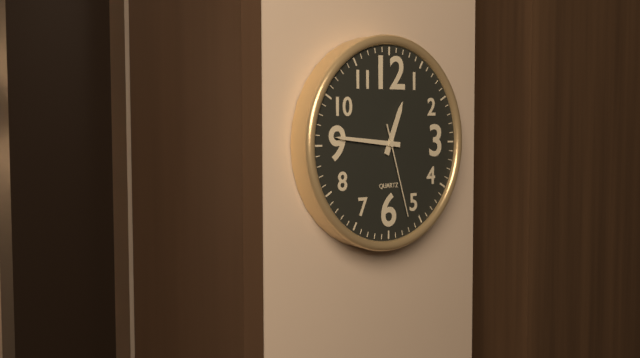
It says 12:46:27
